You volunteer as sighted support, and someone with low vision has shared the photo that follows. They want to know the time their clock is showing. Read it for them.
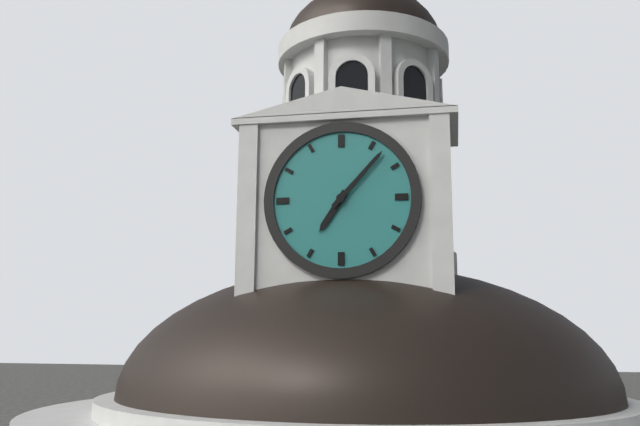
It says 7:07
